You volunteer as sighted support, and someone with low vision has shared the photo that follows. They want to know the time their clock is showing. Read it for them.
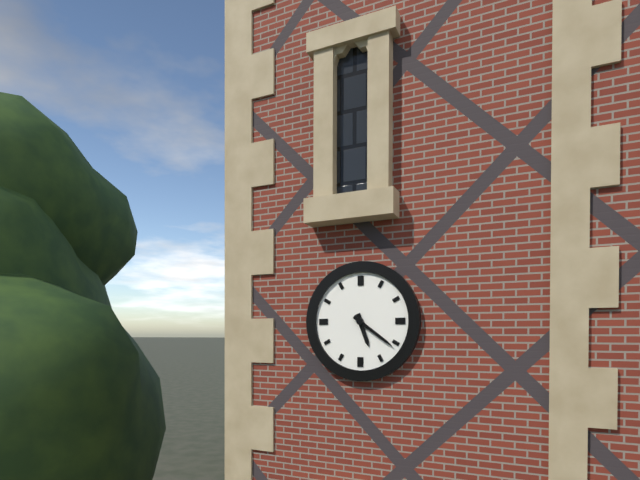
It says 5:21
